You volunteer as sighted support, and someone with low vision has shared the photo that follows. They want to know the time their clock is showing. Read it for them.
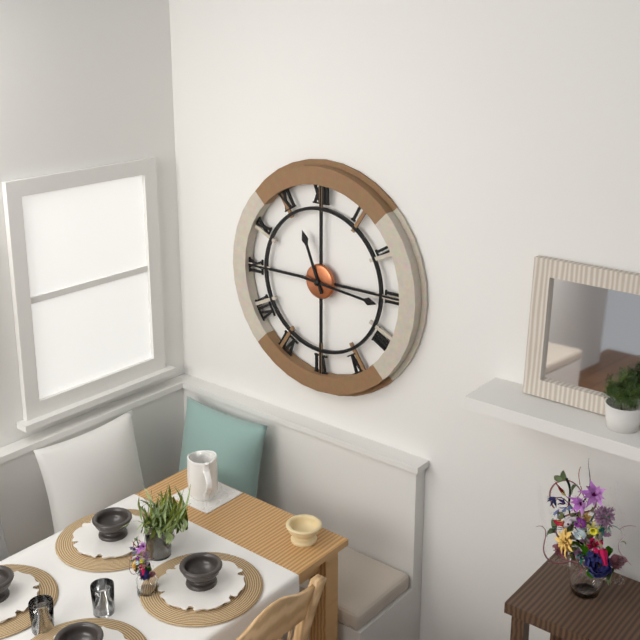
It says 11:16
